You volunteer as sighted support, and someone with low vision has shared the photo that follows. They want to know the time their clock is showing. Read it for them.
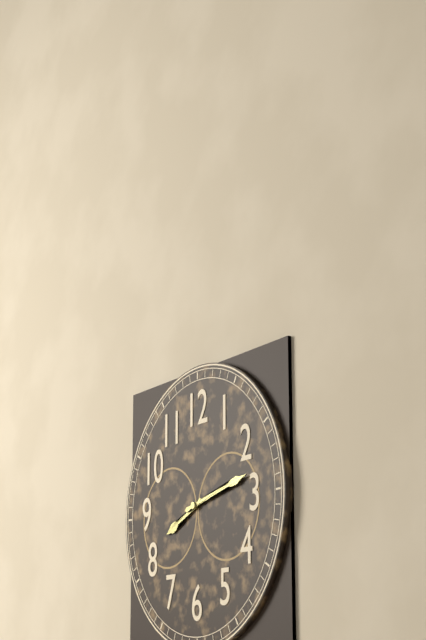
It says 8:13
